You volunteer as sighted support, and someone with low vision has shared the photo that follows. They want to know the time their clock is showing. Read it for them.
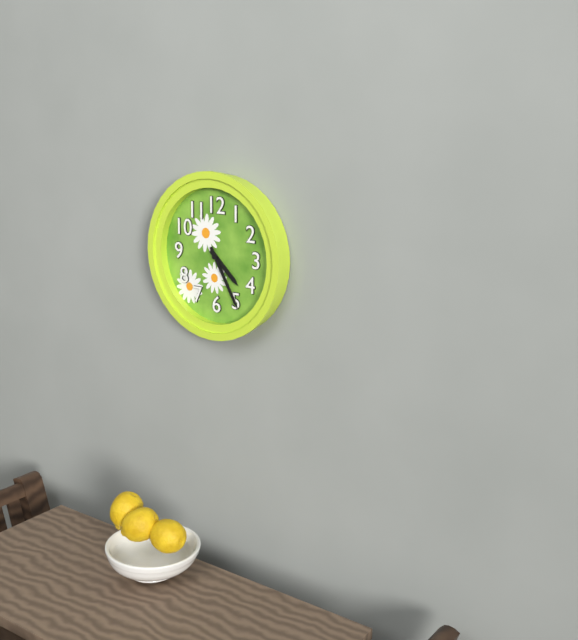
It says 4:25
